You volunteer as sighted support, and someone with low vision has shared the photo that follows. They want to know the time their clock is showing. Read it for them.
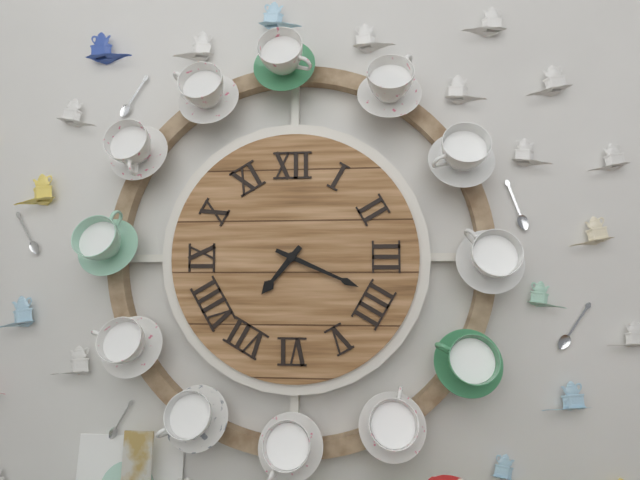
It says 7:19
